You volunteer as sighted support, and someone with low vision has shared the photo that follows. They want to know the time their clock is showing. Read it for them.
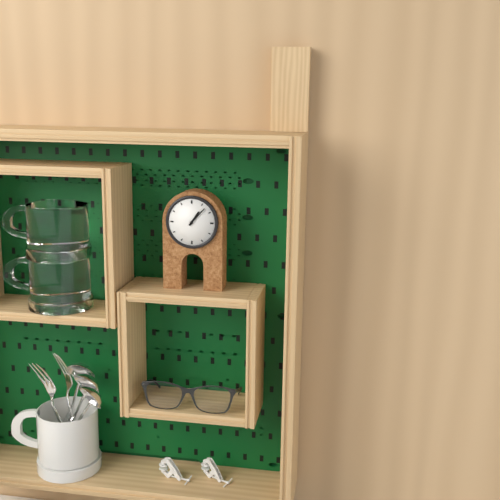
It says 1:07
